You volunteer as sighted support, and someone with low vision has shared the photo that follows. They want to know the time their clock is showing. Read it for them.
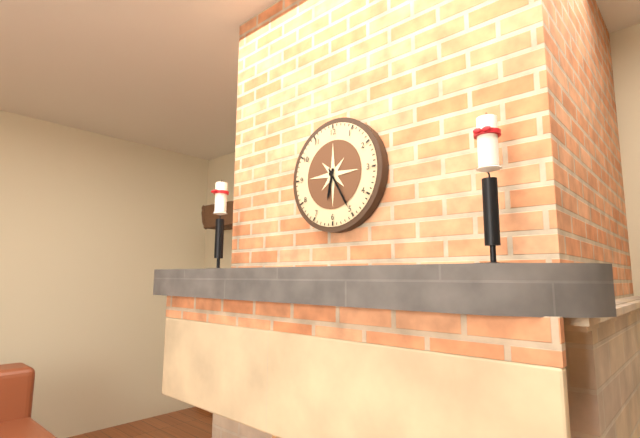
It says 6:25
